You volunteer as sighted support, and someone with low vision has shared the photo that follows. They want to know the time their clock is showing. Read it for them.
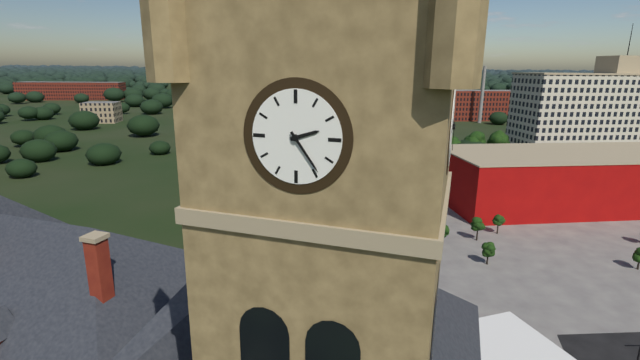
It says 2:24
